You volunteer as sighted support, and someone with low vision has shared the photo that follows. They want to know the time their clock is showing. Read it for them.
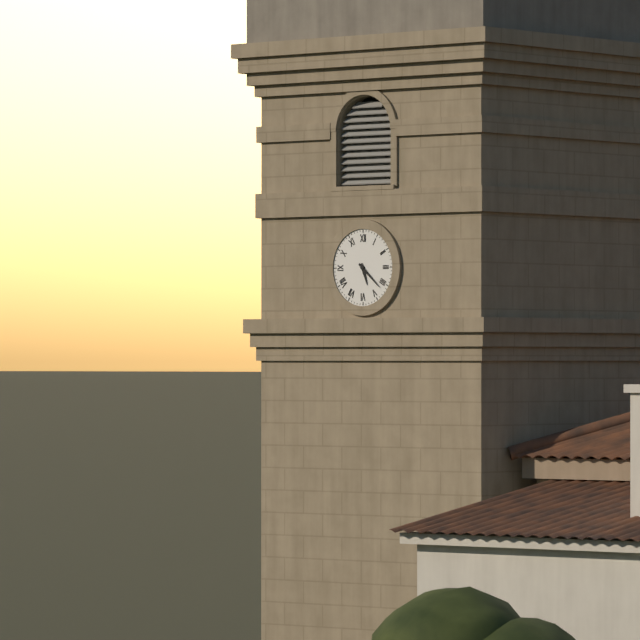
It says 5:22
